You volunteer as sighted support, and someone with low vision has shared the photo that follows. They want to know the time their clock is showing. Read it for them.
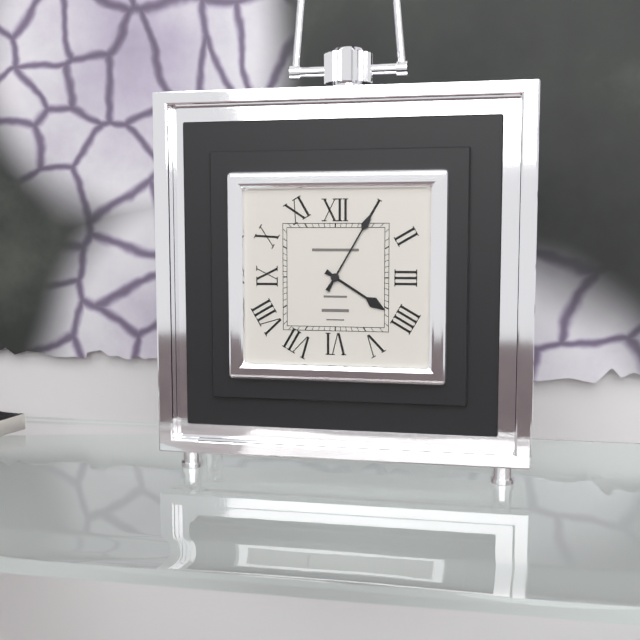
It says 4:05
